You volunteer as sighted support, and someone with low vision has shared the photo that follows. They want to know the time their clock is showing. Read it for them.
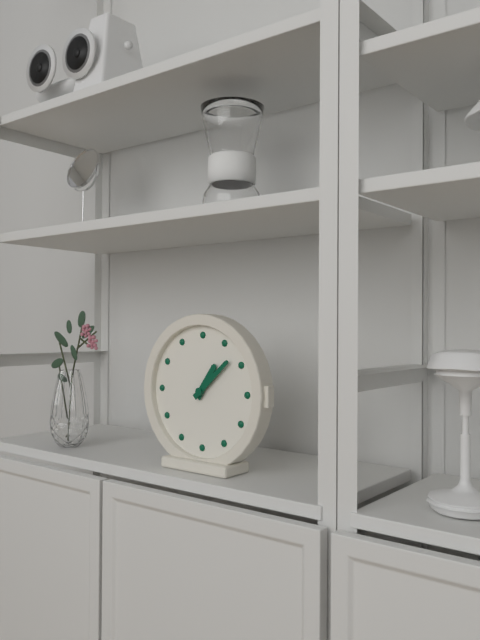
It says 1:08
